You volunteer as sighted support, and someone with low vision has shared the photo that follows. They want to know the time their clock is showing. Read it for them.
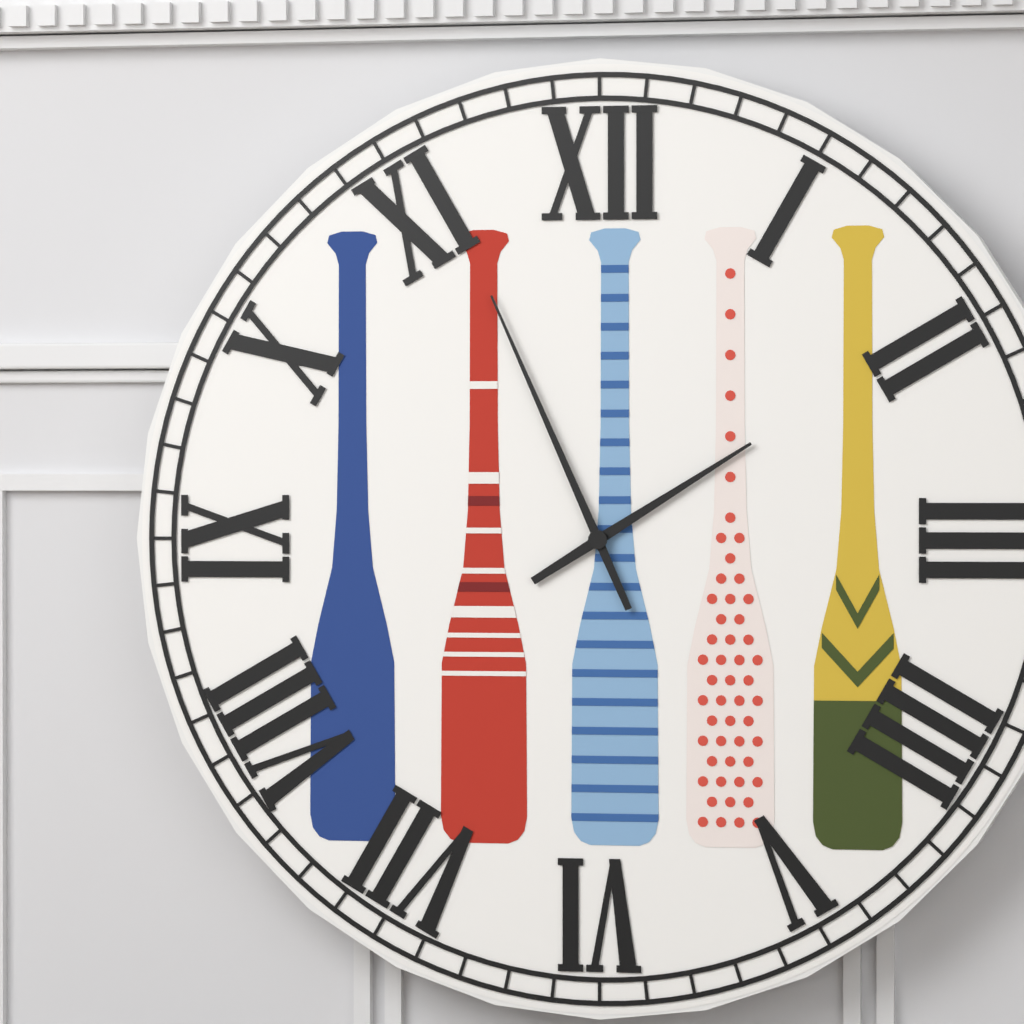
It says 1:56
